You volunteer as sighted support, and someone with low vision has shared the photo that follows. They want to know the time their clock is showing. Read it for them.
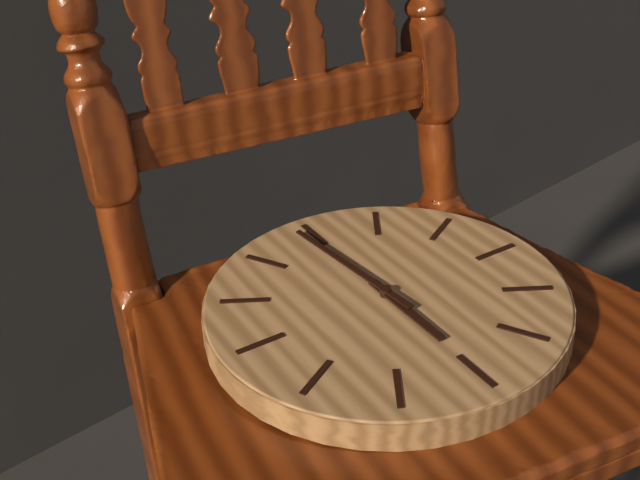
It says 5:59
